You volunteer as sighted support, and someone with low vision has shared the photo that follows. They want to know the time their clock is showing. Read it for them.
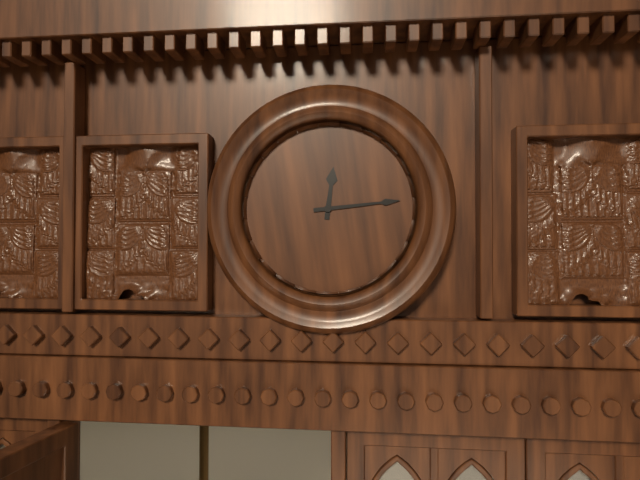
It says 12:14
